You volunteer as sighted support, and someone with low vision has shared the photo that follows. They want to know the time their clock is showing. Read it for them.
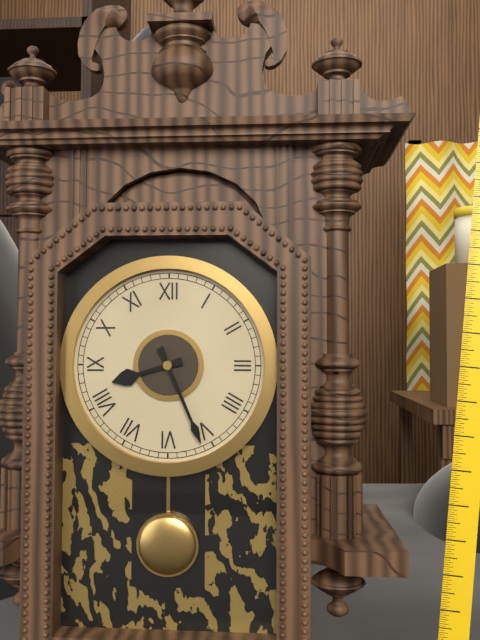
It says 8:26
